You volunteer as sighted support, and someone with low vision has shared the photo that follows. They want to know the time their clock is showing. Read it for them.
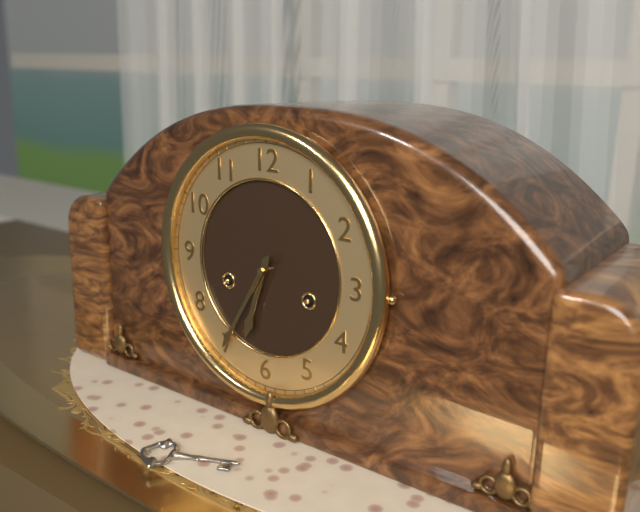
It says 6:35
